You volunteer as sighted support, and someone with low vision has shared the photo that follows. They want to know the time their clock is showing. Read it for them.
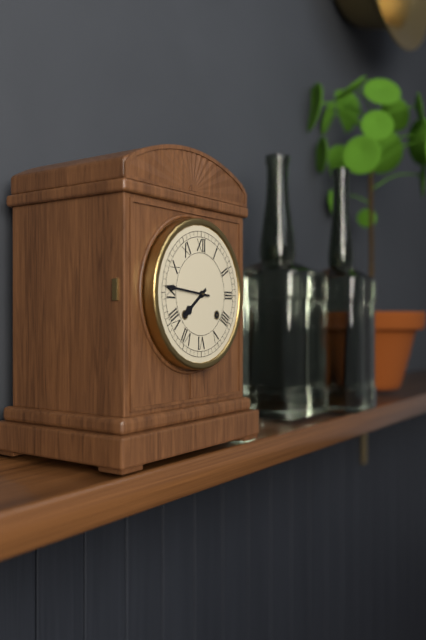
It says 7:46
